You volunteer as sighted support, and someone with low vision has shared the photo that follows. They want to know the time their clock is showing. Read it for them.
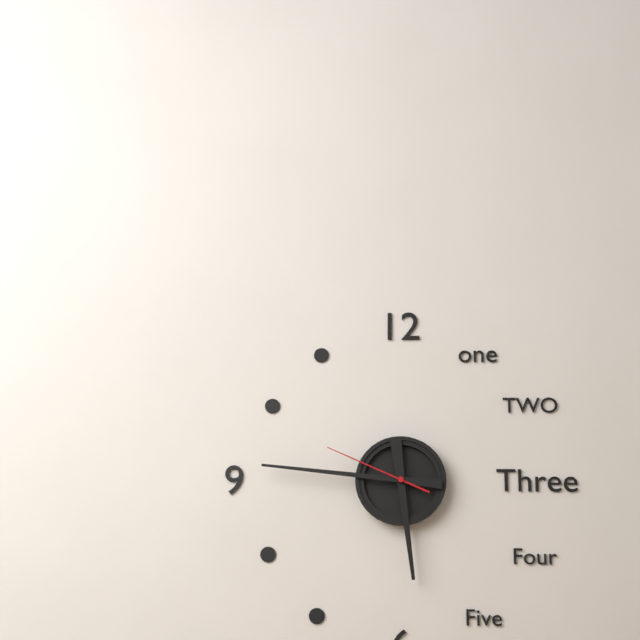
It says 5:46:49
